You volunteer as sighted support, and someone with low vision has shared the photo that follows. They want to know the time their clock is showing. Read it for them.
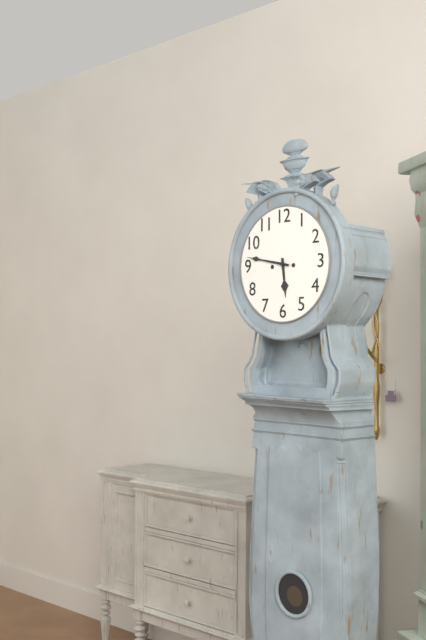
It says 5:47
